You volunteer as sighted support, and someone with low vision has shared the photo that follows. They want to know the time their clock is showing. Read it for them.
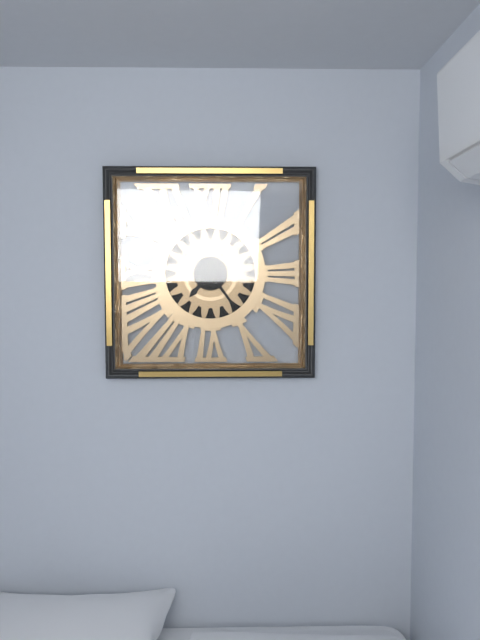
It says 7:24
